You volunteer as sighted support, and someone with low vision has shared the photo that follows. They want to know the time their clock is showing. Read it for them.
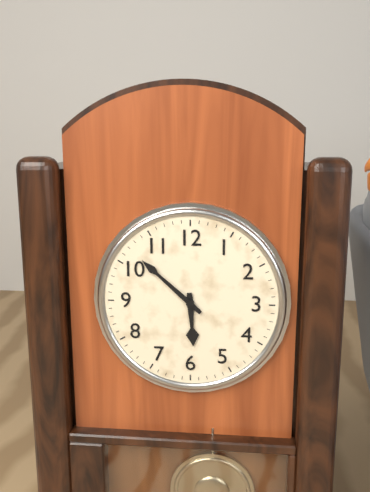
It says 5:52
